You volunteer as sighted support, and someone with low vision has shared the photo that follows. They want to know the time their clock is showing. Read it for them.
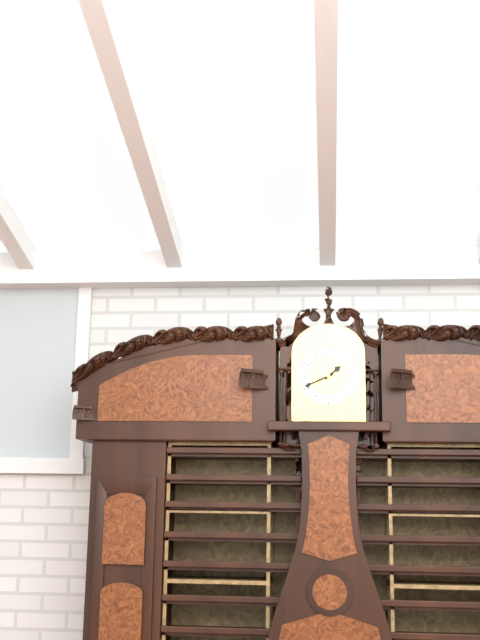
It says 1:41
